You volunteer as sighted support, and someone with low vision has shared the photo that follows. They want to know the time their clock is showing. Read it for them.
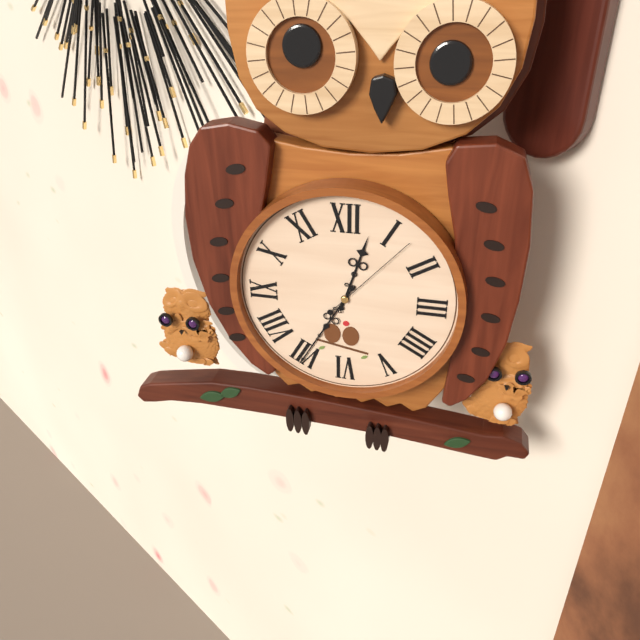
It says 12:35:07
